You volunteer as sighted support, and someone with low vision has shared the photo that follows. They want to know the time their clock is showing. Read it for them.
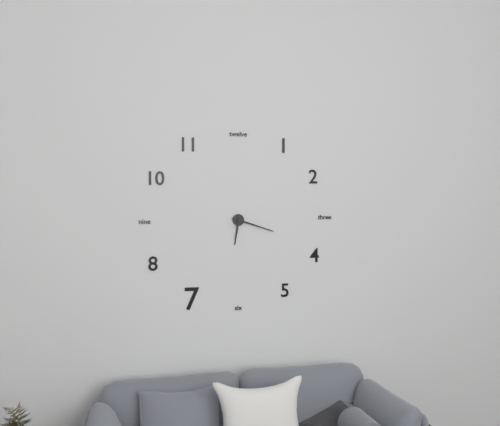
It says 6:18
